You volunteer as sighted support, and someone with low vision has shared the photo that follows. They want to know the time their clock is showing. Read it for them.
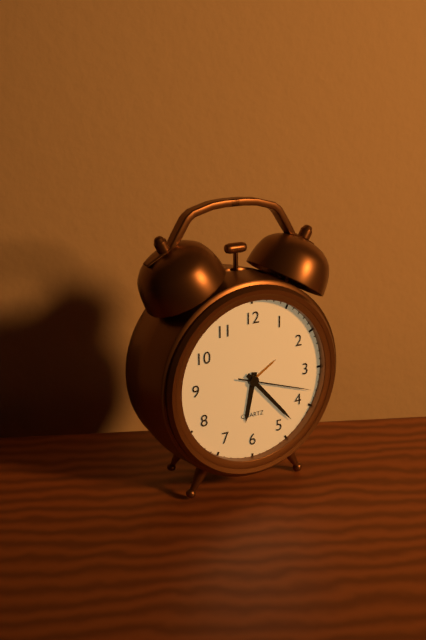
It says 6:23:18
